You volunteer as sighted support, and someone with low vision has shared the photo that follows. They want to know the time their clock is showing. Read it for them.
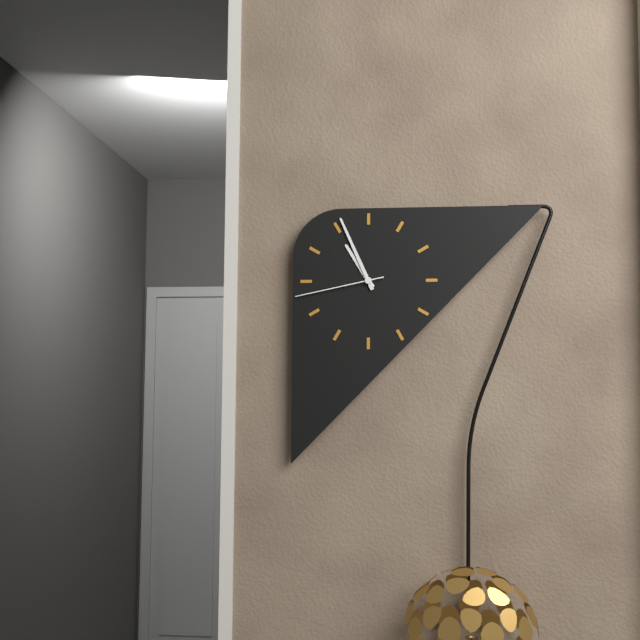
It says 10:56:43
